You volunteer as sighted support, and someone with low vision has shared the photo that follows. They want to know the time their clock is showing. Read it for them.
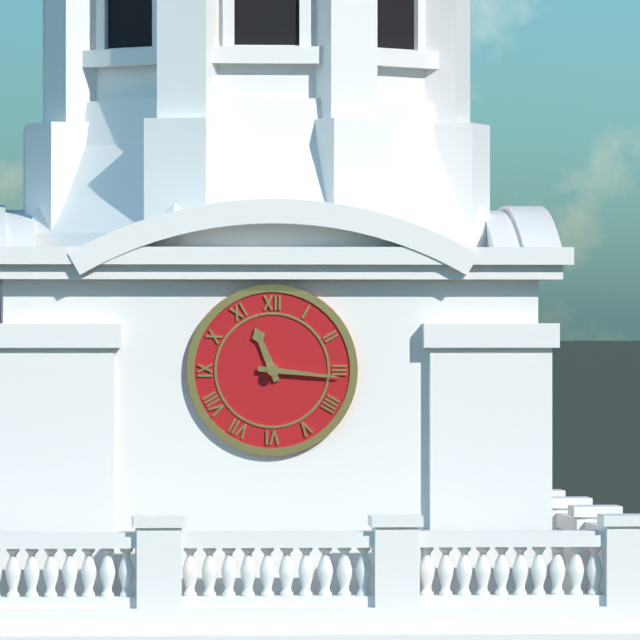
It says 11:16
